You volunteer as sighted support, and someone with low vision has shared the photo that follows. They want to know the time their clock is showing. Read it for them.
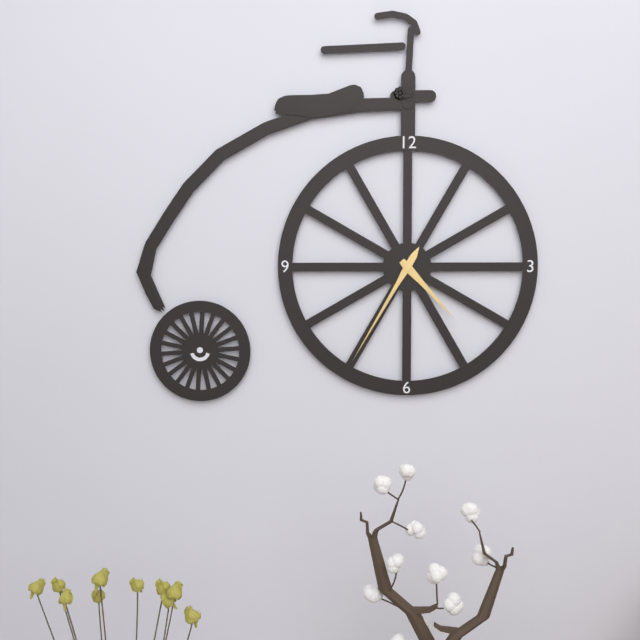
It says 4:35
